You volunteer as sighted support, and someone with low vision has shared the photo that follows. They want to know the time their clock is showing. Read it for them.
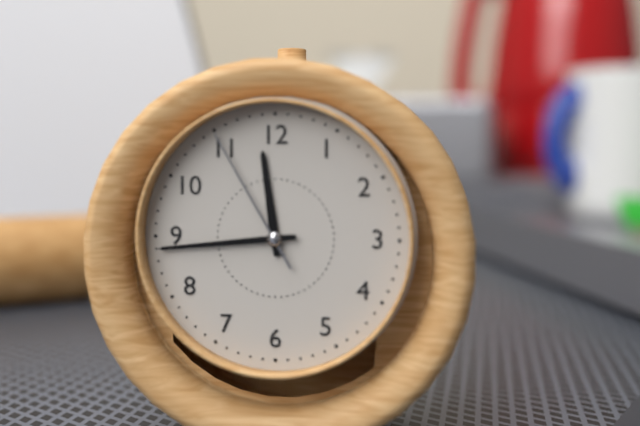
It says 11:44:55
